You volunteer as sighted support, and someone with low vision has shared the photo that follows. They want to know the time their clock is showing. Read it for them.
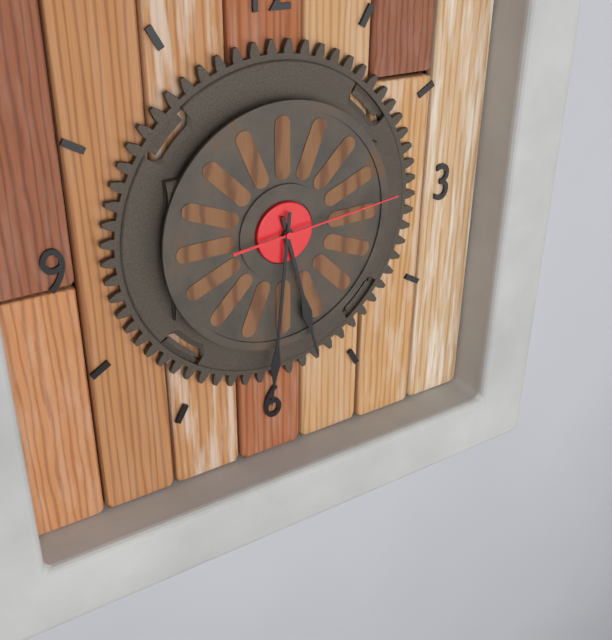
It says 5:31:14
